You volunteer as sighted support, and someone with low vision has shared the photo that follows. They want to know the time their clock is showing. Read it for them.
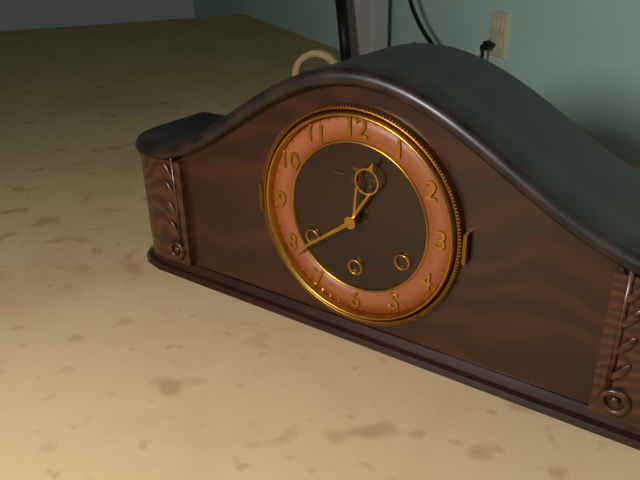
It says 12:39
